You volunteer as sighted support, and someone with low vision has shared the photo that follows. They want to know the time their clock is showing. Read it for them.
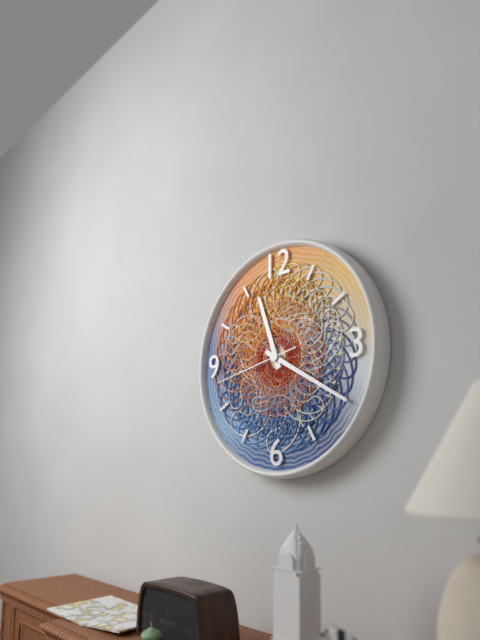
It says 11:20:43
